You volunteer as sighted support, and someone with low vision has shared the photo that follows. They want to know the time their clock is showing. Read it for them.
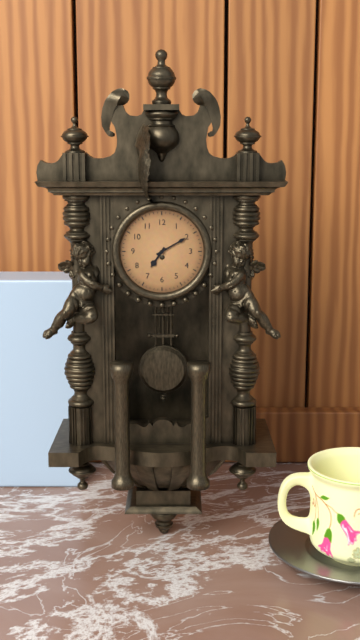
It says 7:10
